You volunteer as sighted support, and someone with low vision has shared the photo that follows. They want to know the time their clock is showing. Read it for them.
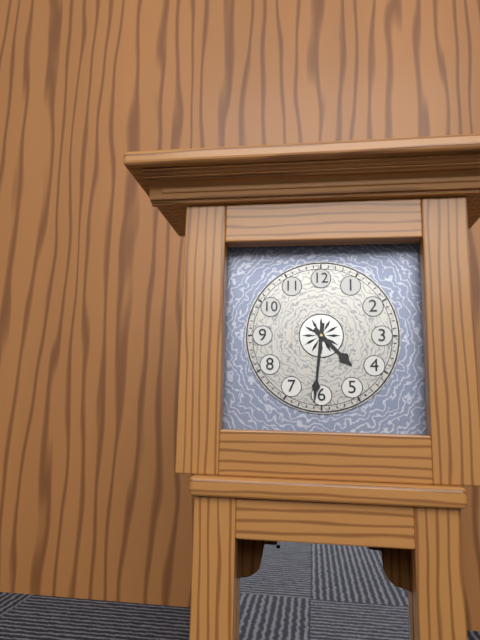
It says 4:31
